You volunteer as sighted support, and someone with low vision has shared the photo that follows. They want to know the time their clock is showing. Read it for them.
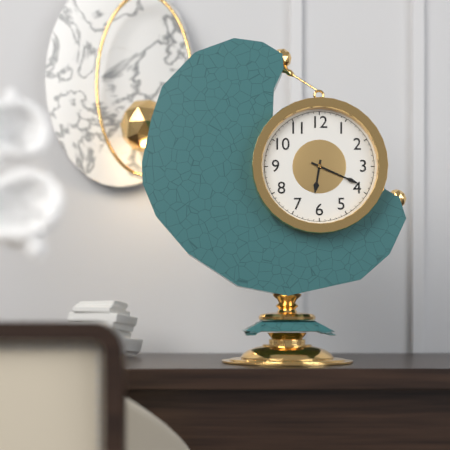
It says 6:19
